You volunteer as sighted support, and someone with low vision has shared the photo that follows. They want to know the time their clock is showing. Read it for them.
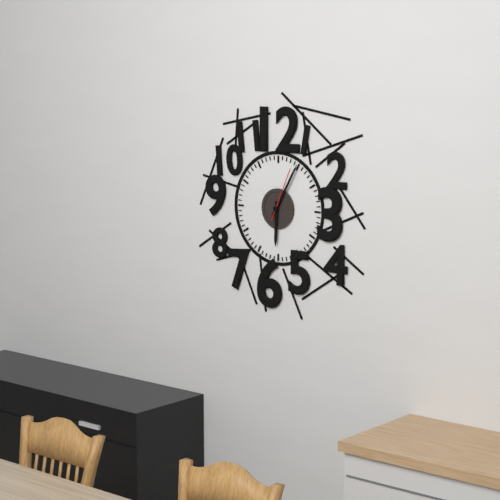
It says 6:05:04
